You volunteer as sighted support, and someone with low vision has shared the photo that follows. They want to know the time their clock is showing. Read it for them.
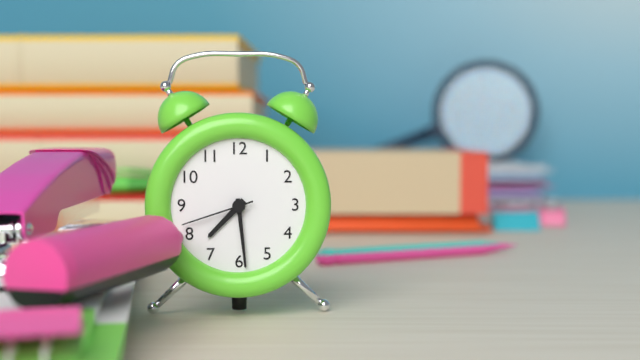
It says 7:29:42
